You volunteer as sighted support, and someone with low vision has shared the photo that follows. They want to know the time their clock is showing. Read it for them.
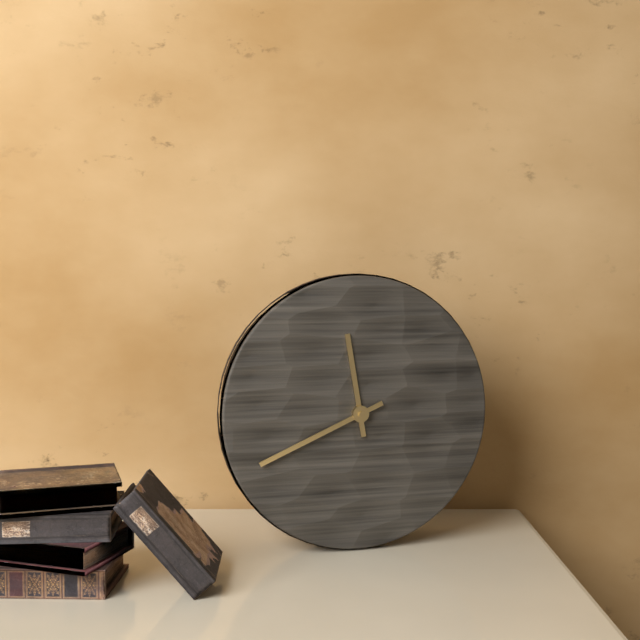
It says 11:41
